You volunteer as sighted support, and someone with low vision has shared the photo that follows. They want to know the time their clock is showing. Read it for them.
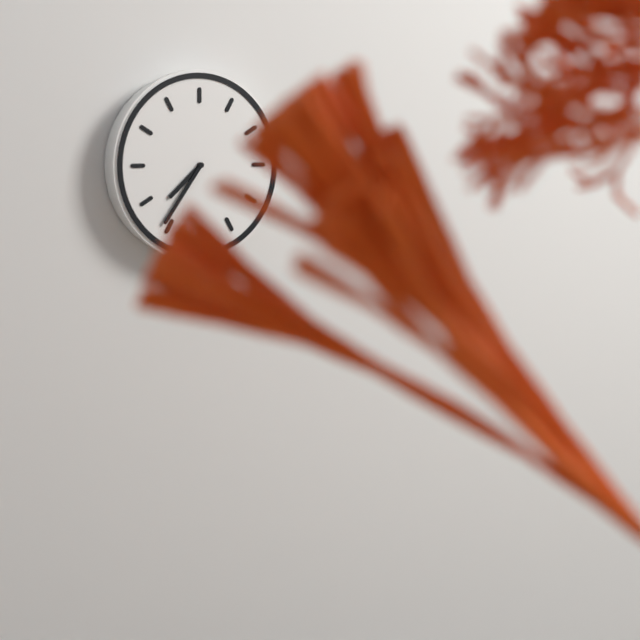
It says 7:36
